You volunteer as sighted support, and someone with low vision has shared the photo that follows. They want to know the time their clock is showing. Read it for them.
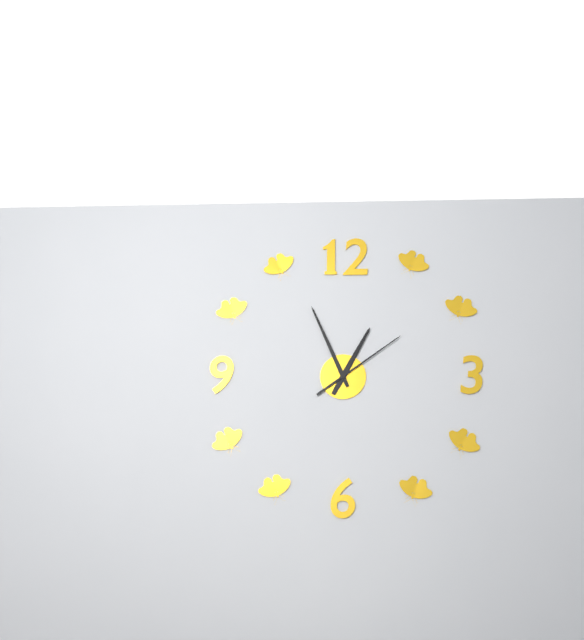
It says 12:56:09
